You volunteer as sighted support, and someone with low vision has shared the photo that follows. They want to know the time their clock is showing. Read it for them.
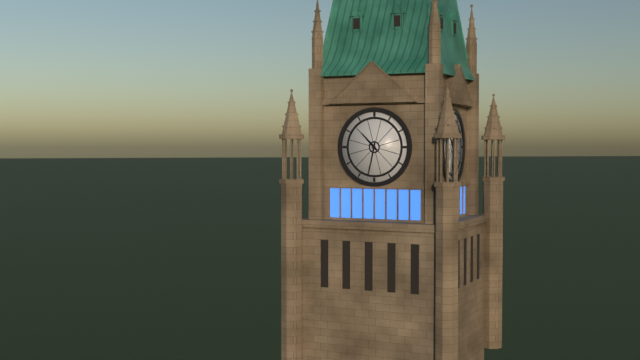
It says 10:32
